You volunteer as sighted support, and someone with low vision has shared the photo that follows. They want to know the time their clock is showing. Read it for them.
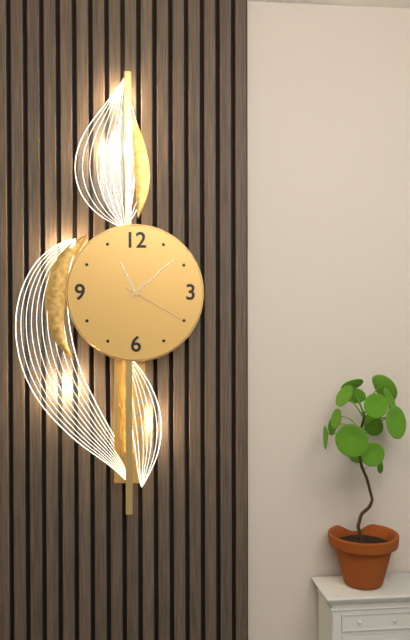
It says 11:08:20
